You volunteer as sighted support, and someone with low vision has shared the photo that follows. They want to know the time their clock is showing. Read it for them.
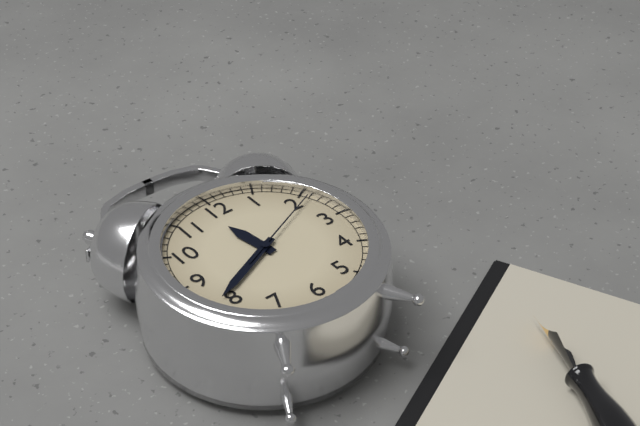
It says 11:41:11
